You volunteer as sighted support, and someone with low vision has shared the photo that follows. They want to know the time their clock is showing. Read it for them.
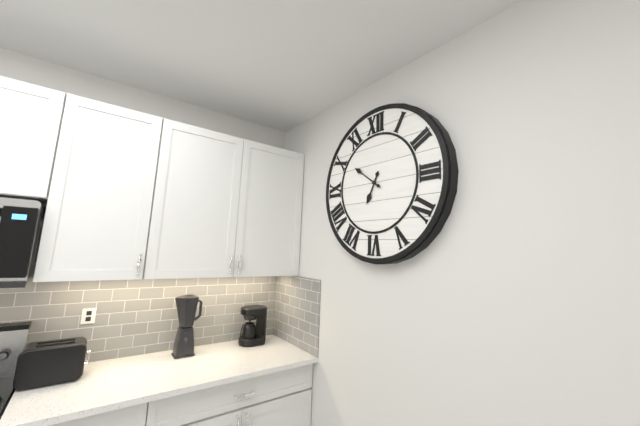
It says 6:51
